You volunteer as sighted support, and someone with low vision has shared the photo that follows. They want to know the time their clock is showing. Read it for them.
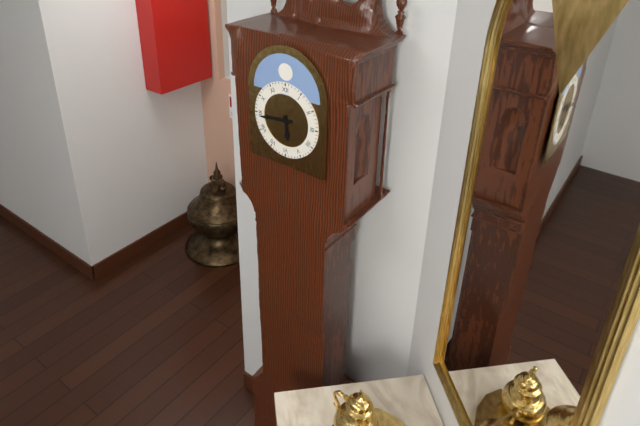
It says 5:44
